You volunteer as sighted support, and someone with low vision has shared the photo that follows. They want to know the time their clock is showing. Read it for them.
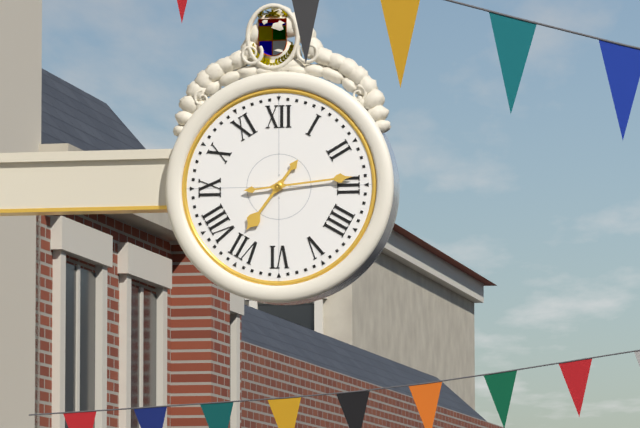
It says 7:14
